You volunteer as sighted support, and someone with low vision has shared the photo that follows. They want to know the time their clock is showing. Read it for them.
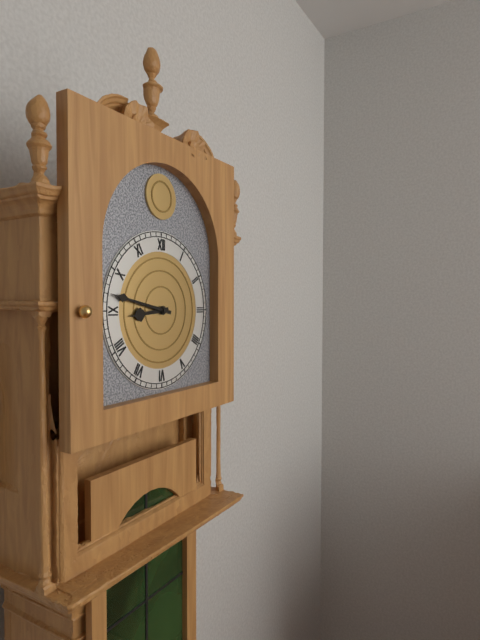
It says 8:47
